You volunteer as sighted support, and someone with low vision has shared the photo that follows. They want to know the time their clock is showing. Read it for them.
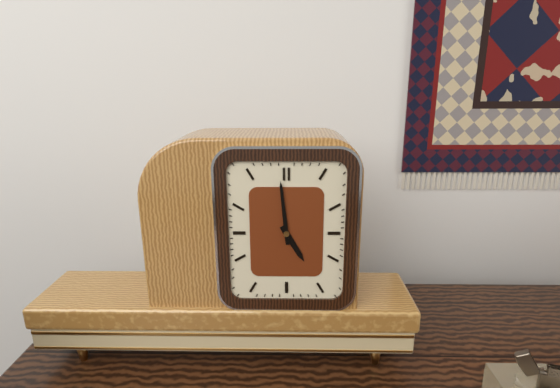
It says 4:59
